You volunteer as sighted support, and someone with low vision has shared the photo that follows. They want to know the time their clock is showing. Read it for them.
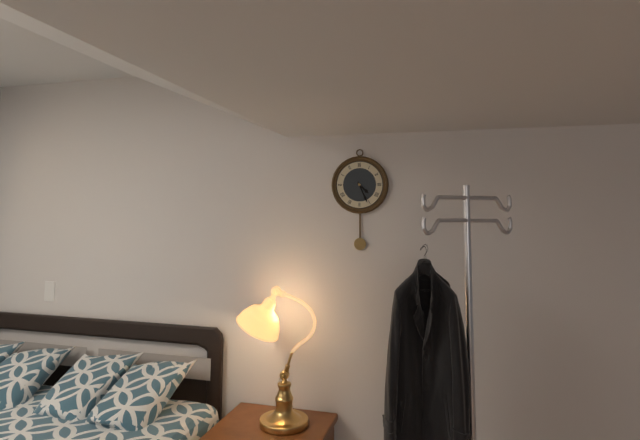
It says 4:26
